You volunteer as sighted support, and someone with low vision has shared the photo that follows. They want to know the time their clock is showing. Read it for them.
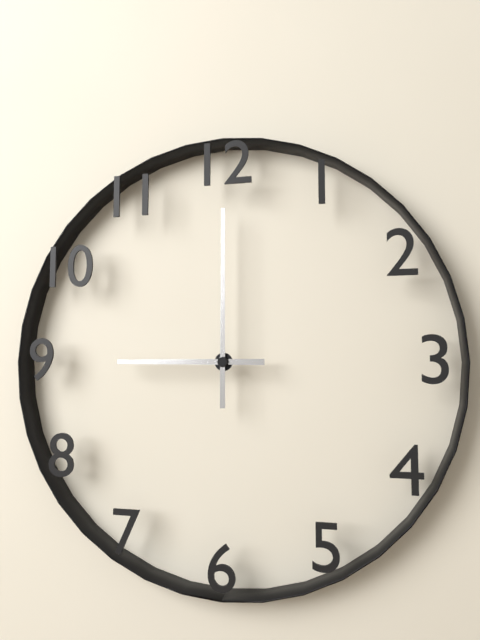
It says 9:00
